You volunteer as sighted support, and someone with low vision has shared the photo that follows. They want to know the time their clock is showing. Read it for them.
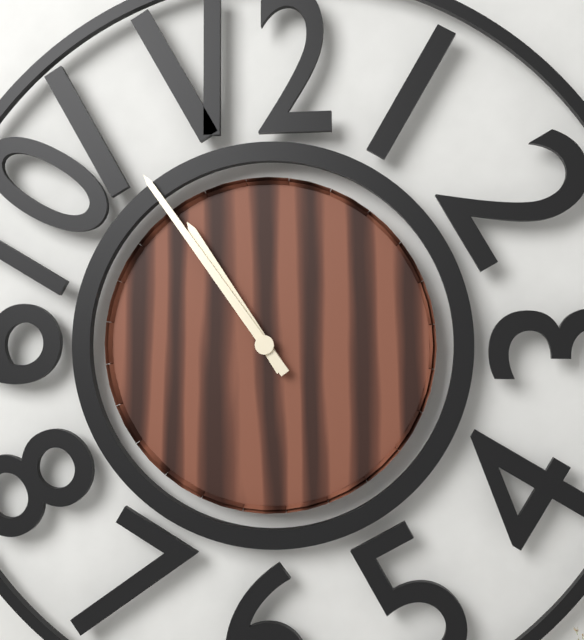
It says 10:54
